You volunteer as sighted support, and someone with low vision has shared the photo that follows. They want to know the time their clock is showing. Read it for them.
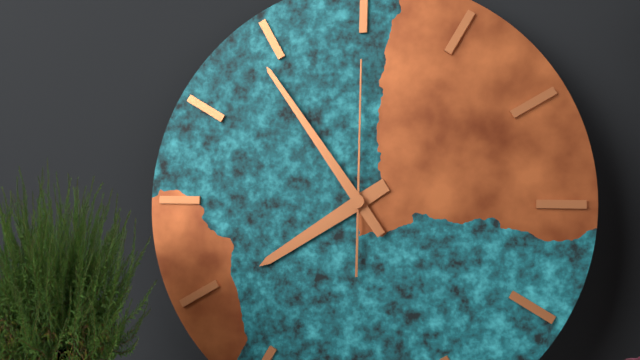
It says 7:54:00
